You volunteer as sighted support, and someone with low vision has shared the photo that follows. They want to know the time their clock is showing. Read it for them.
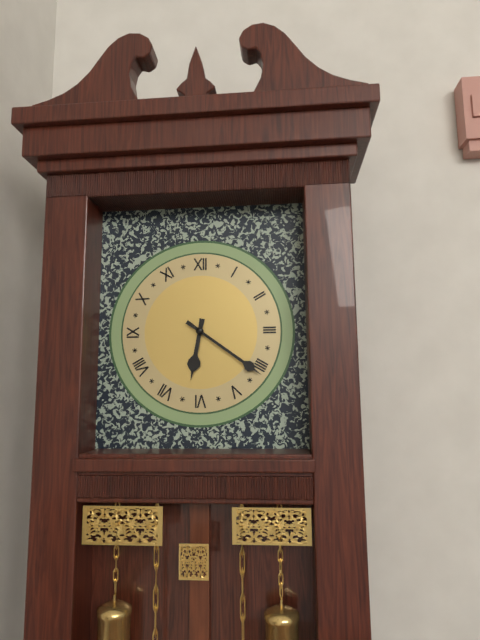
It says 6:21
